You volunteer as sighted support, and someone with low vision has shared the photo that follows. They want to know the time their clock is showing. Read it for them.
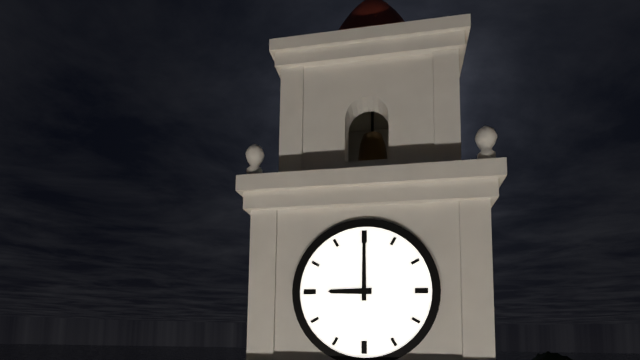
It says 9:00
